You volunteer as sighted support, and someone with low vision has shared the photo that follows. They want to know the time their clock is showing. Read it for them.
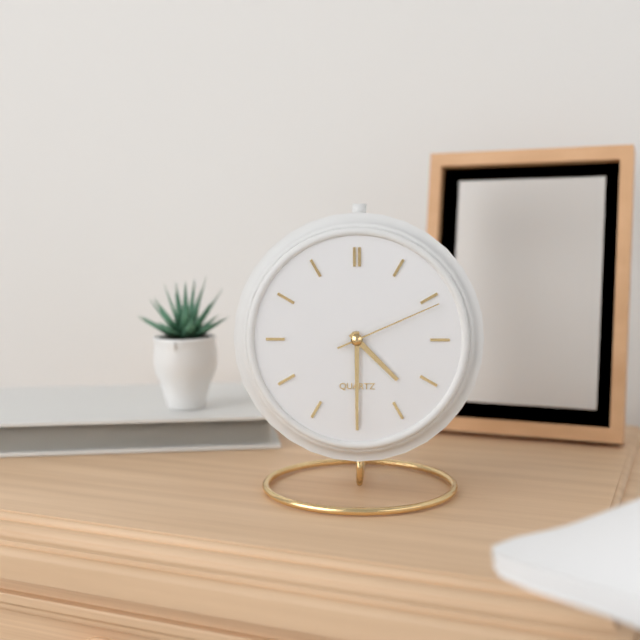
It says 4:30:11
